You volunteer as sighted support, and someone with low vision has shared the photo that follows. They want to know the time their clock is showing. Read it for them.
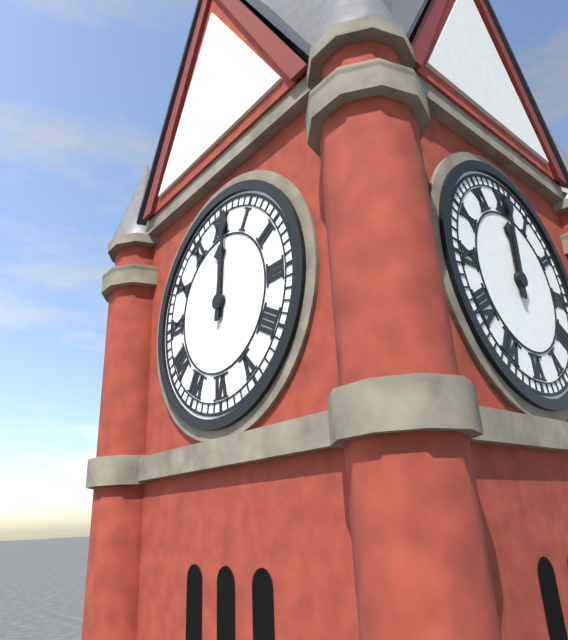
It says 12:01
